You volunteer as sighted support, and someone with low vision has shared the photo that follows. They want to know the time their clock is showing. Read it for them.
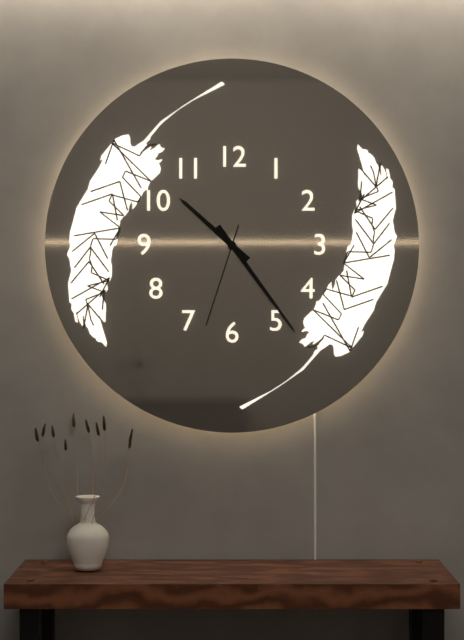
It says 10:24:33
